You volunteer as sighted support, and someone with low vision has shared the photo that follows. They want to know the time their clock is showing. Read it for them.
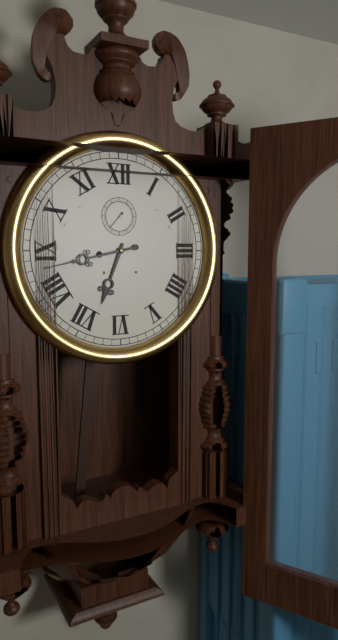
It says 6:43
